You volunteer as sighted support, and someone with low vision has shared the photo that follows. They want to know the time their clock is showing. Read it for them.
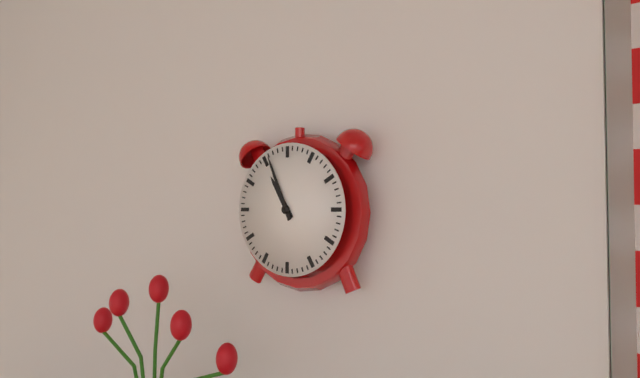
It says 10:56
